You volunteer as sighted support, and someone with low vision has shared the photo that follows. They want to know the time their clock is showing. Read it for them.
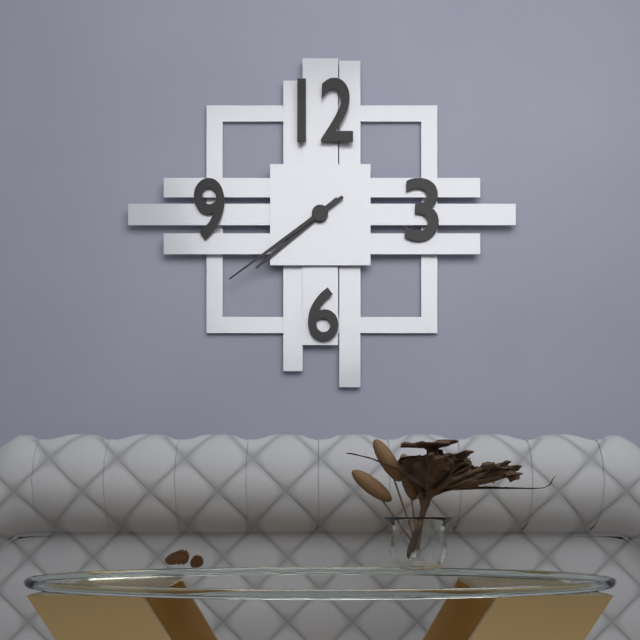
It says 7:39
